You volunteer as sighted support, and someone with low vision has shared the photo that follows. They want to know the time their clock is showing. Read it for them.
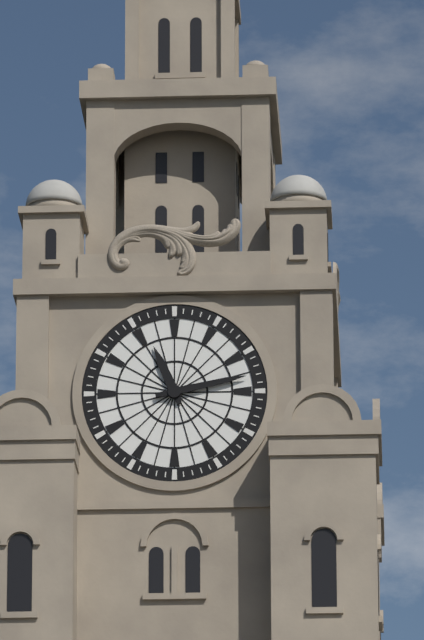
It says 11:13
